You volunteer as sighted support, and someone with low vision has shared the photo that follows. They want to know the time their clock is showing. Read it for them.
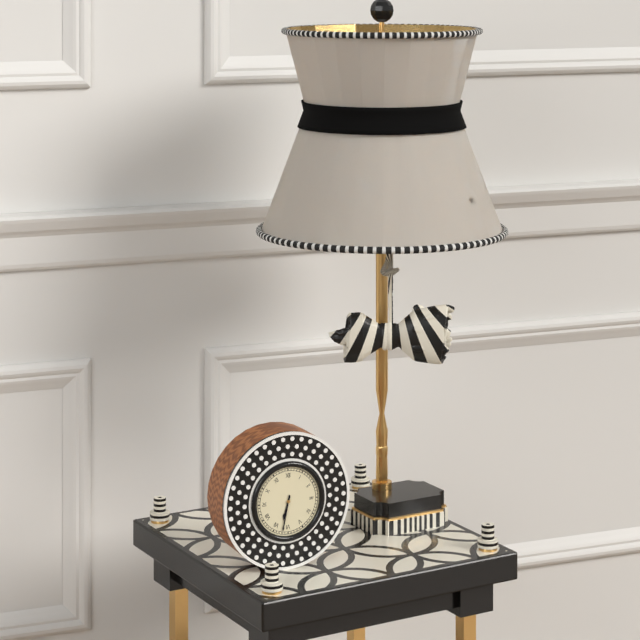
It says 6:32
